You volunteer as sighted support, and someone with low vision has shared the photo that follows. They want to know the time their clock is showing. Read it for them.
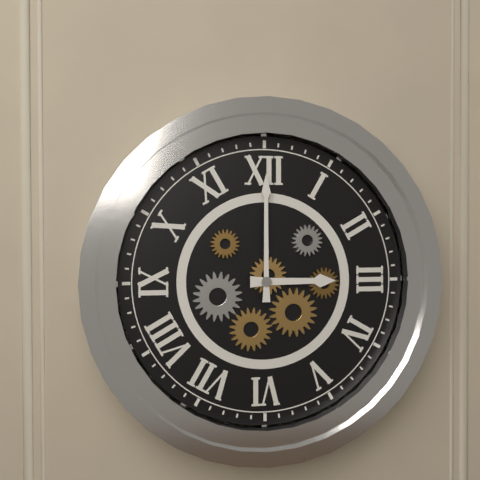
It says 3:00
